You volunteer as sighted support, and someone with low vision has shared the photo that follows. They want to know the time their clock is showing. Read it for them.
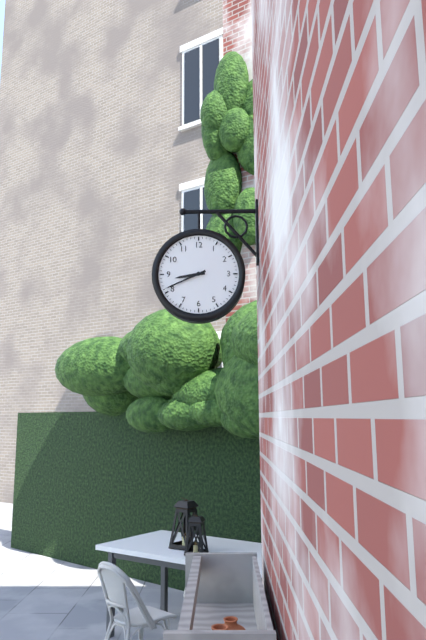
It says 8:41
